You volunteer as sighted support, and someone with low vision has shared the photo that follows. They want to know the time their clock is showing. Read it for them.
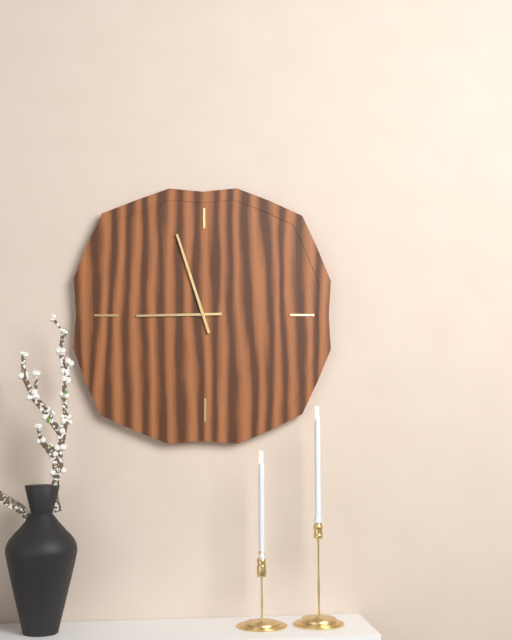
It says 8:57
